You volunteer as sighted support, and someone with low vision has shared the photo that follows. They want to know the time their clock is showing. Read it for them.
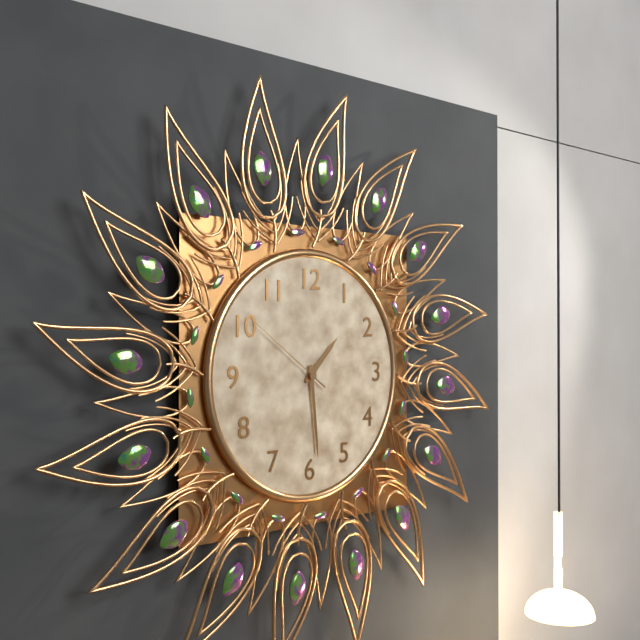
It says 1:29:51
